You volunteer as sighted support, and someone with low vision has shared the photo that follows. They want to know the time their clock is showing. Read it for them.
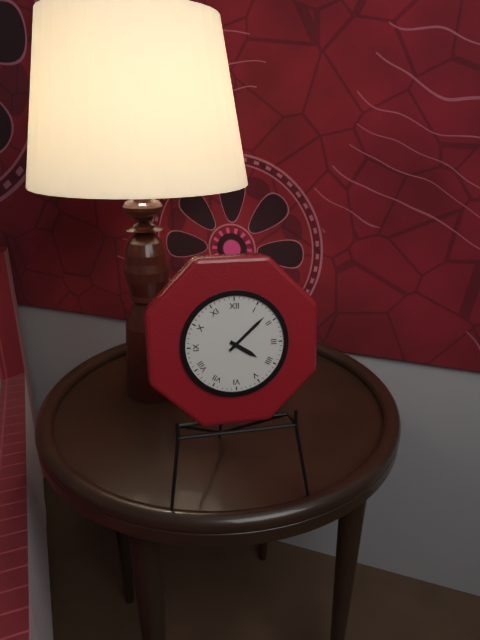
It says 4:08
